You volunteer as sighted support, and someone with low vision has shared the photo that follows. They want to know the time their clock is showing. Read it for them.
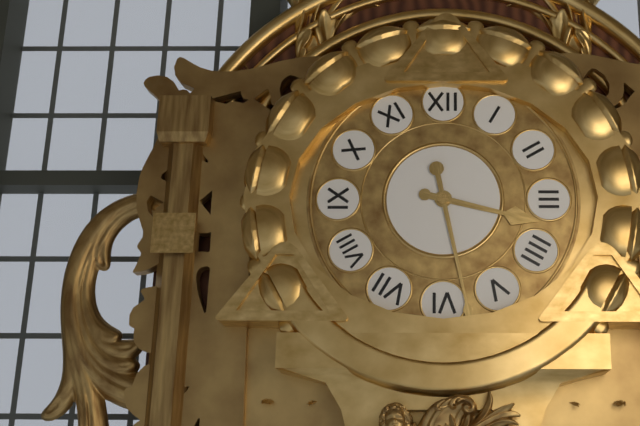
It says 3:28
